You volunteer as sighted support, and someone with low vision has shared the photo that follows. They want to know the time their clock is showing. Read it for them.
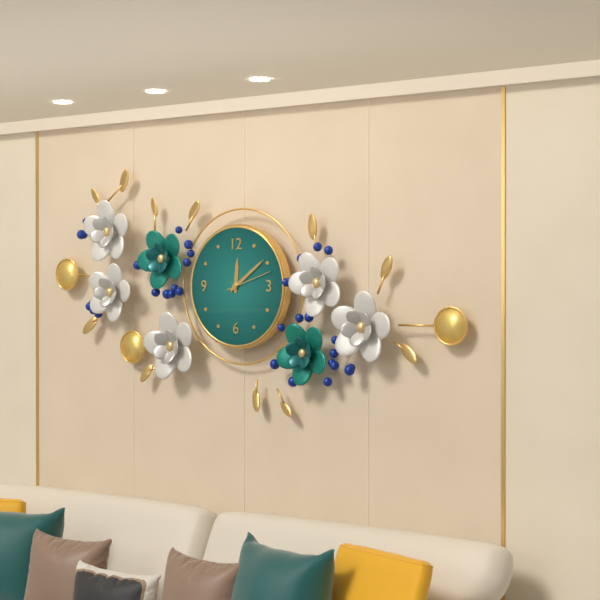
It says 12:09
